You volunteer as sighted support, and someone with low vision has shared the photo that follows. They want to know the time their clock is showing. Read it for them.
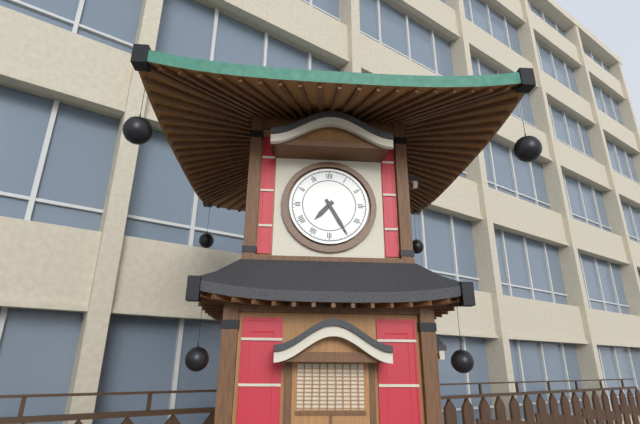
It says 7:25
